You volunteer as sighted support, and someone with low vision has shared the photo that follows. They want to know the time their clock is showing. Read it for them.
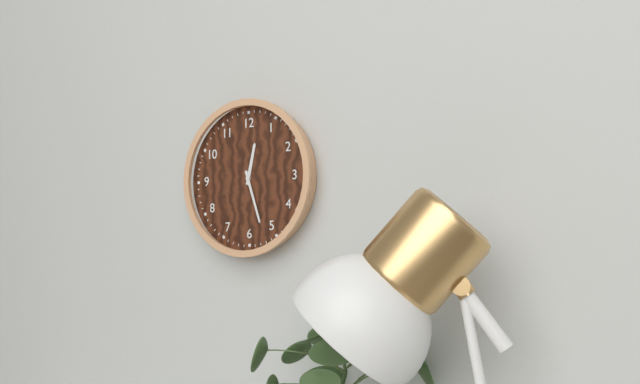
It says 12:27
